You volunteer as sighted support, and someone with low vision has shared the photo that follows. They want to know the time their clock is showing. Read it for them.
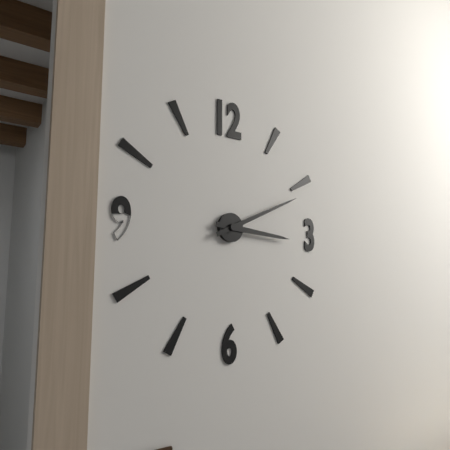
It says 3:11
